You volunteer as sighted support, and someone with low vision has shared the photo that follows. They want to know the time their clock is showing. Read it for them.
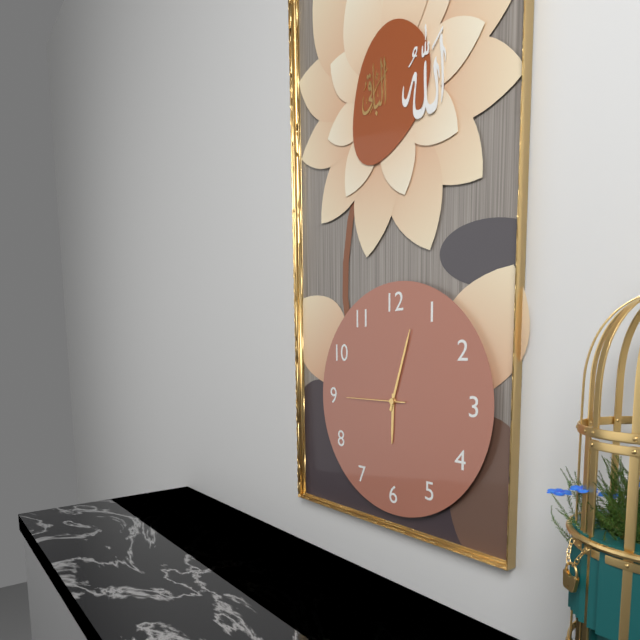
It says 6:03:45
